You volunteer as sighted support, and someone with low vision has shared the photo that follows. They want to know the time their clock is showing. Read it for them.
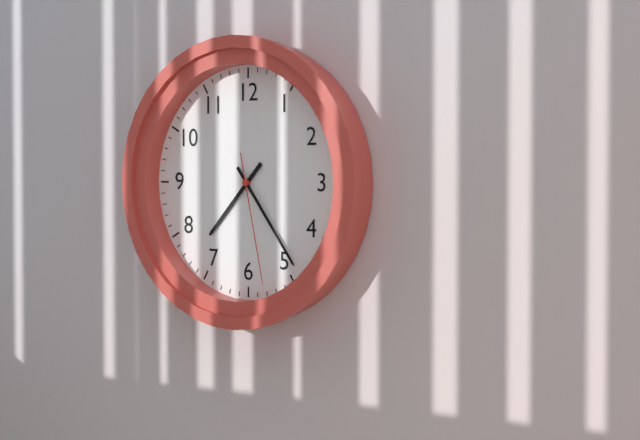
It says 7:24:28
